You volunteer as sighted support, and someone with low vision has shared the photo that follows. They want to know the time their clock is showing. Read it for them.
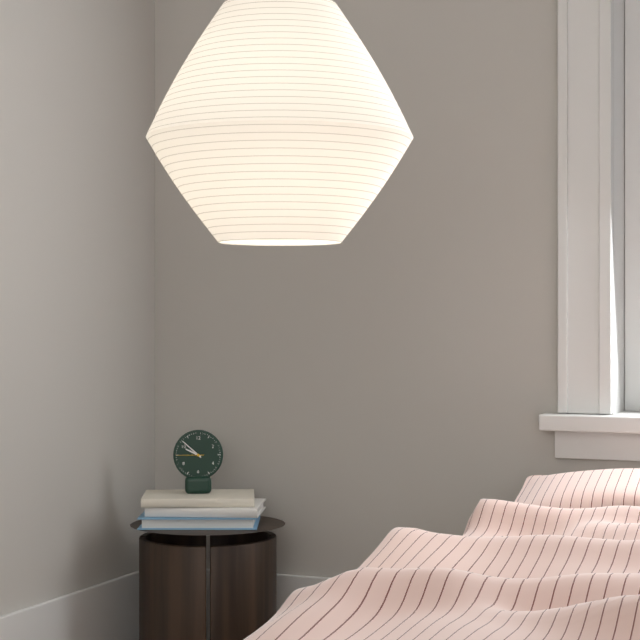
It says 9:52
